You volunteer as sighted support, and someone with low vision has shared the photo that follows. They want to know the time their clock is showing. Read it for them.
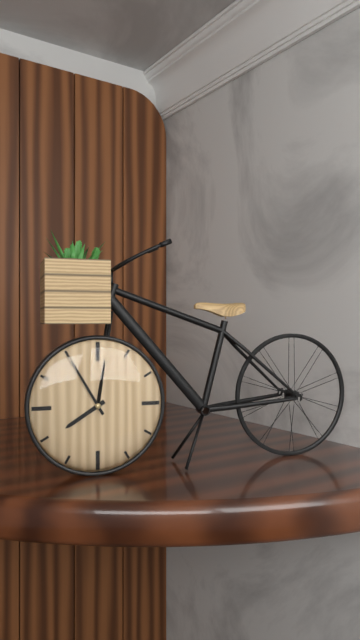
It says 7:55
